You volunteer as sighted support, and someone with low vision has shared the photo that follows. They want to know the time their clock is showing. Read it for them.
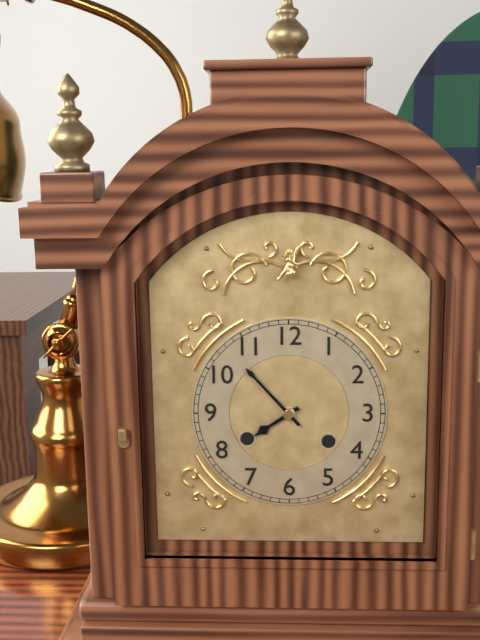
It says 7:53
